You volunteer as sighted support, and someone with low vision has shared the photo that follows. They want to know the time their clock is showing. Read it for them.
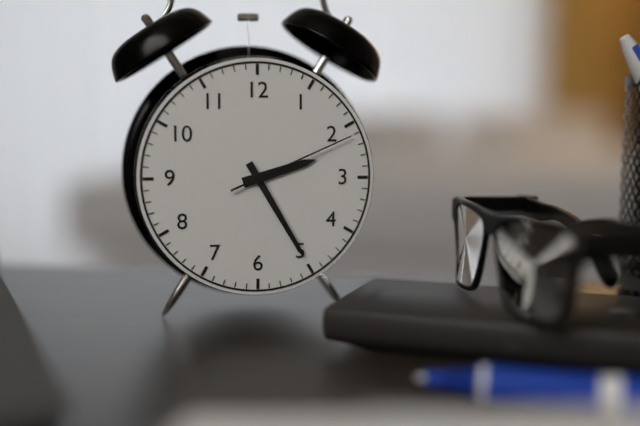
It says 2:25:11
